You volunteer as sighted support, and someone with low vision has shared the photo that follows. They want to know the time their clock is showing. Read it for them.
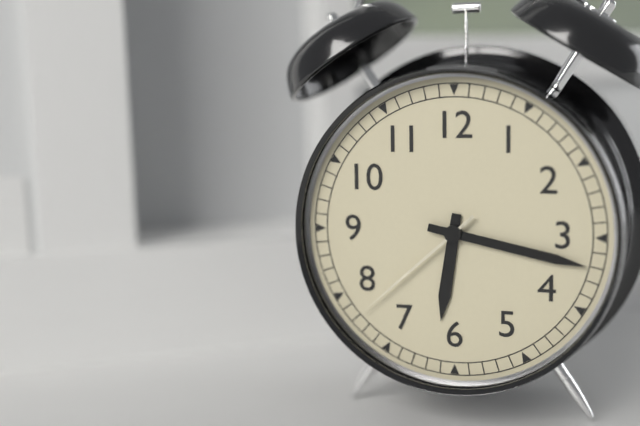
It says 6:17:38
